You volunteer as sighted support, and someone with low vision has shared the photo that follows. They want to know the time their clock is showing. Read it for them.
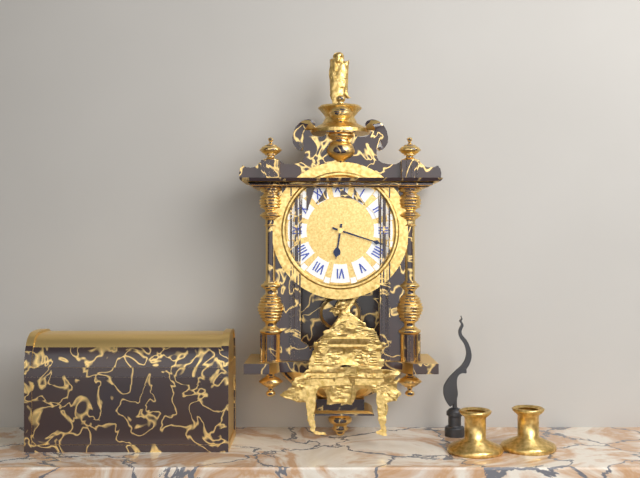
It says 6:18
